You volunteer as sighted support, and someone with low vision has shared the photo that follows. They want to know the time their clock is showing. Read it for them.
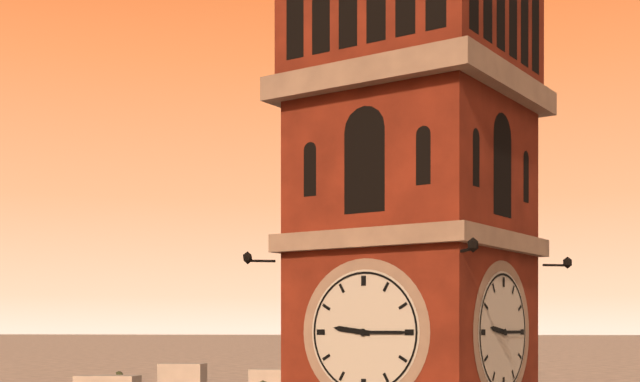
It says 9:15
